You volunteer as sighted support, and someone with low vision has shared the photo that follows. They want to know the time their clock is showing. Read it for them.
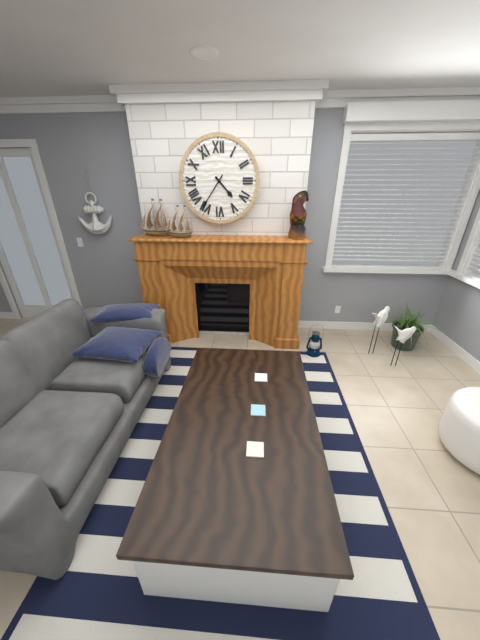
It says 4:36
